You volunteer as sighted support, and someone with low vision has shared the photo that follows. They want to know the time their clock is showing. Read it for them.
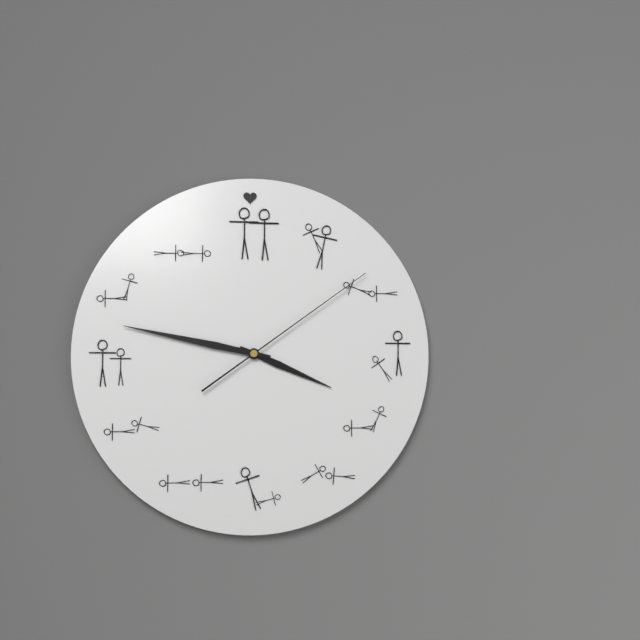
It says 3:47:09
